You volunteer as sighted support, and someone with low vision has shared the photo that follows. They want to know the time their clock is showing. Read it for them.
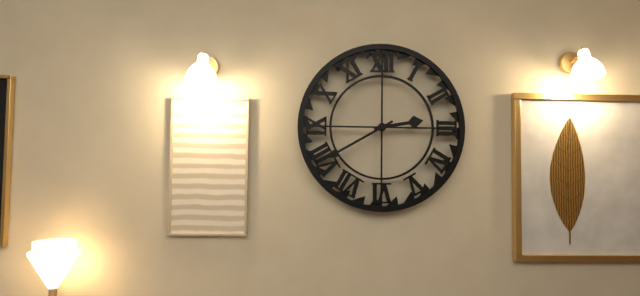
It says 2:40
